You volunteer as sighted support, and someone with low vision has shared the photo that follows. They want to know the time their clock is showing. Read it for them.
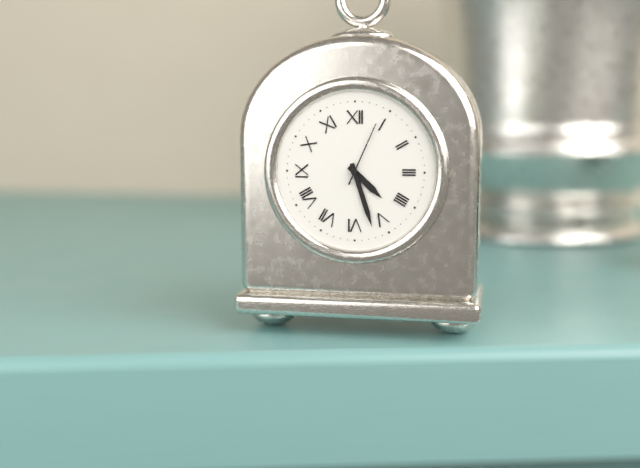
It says 4:27:04
